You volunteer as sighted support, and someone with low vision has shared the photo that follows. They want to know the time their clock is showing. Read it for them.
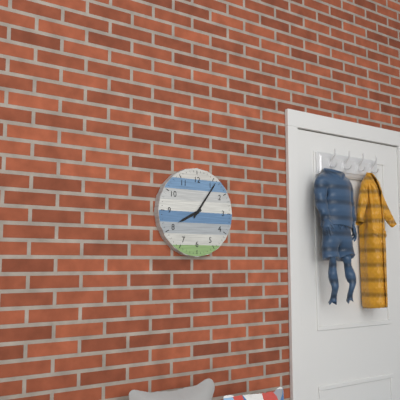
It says 8:06
